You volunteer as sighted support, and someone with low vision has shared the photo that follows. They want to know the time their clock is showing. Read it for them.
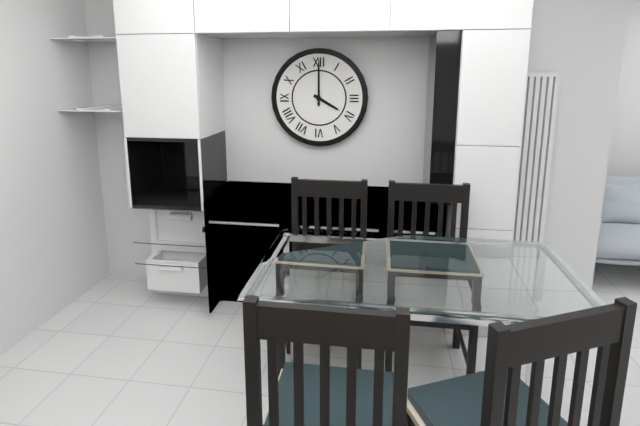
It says 4:00
